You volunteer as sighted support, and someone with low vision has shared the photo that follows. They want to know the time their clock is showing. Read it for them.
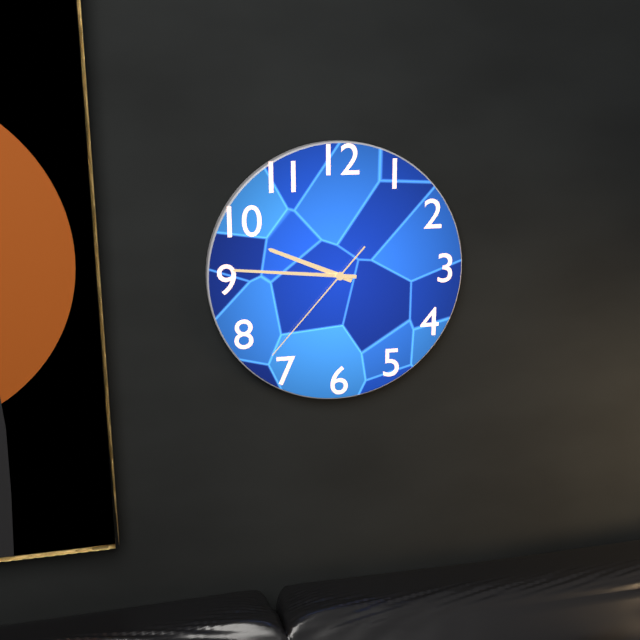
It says 9:46:37
